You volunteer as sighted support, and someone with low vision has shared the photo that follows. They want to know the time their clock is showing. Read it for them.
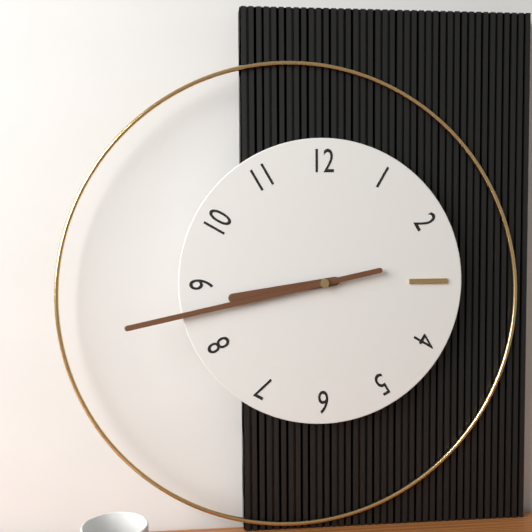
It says 8:43
